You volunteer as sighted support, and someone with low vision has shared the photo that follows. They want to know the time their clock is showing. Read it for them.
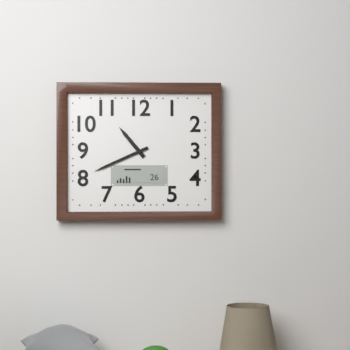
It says 10:41
